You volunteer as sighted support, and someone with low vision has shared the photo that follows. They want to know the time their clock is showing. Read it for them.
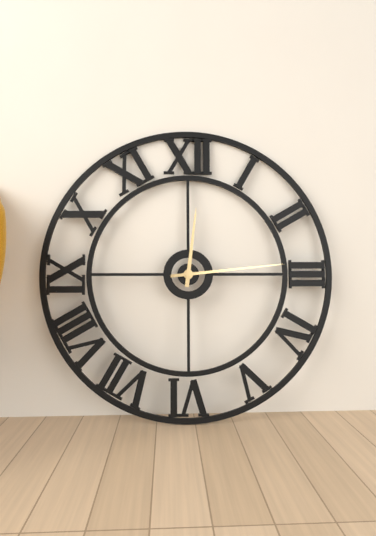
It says 12:14
